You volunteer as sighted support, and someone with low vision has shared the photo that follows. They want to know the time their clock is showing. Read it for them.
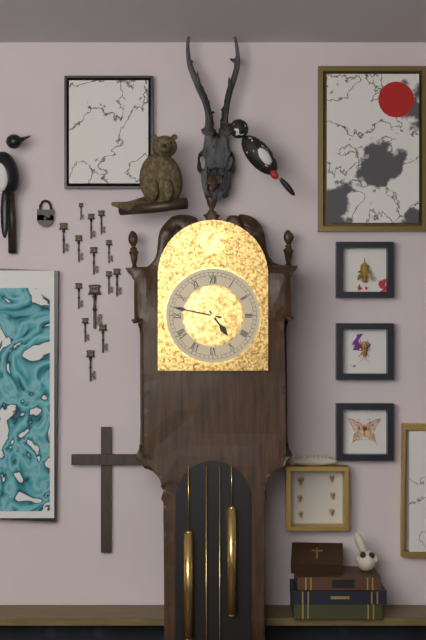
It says 4:47
